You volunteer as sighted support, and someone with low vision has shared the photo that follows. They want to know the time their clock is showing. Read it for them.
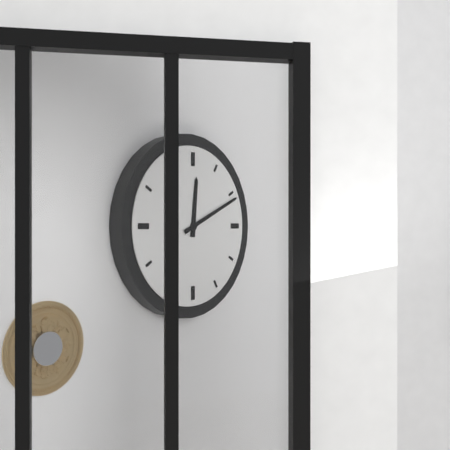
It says 12:11
